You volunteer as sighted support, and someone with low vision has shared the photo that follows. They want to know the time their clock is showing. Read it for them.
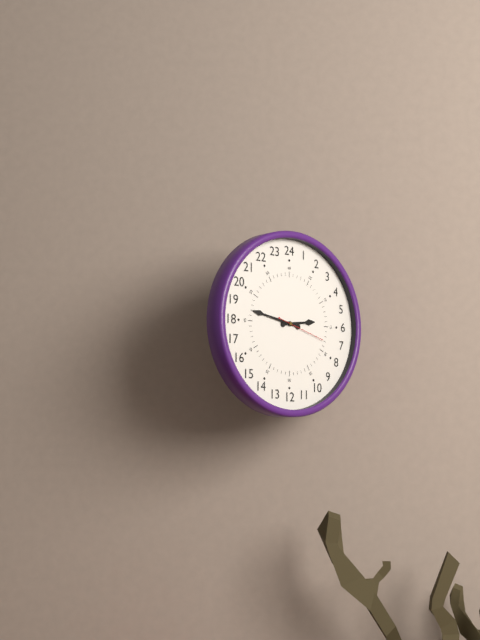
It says 2:47:18
